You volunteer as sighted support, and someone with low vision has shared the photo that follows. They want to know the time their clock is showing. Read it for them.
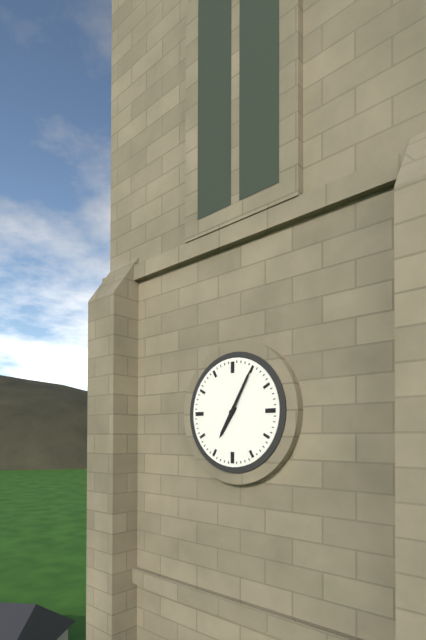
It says 7:05
